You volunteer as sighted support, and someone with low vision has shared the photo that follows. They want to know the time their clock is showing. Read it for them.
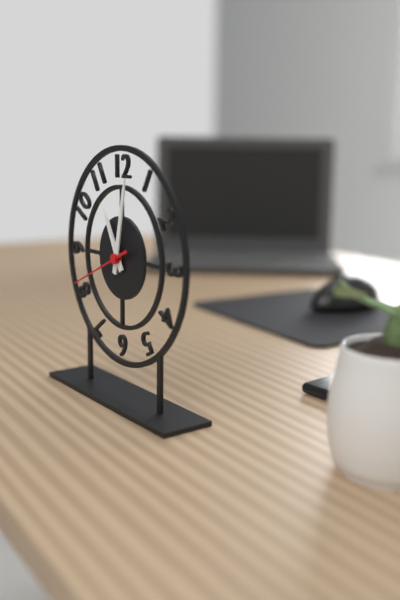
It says 11:02:41
